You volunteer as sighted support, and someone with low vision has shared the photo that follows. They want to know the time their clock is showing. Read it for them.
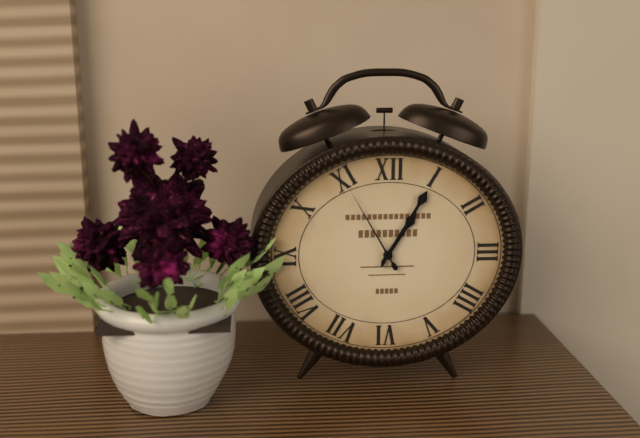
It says 1:05:55
